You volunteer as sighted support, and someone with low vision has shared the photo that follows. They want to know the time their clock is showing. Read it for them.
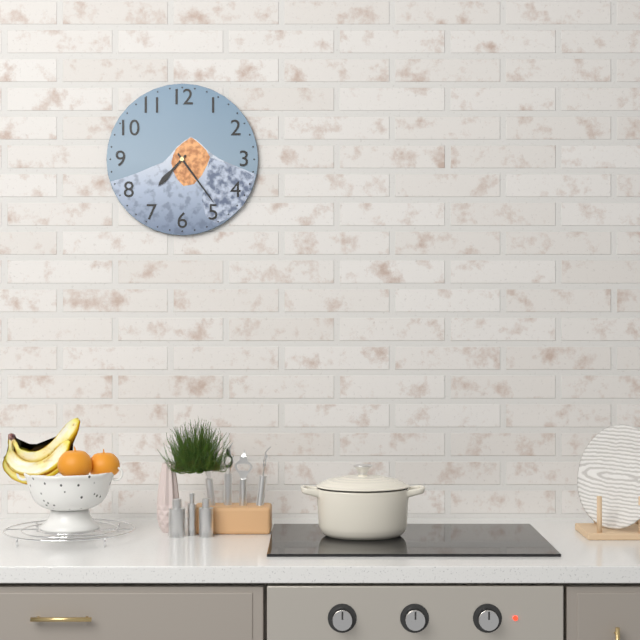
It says 7:24
